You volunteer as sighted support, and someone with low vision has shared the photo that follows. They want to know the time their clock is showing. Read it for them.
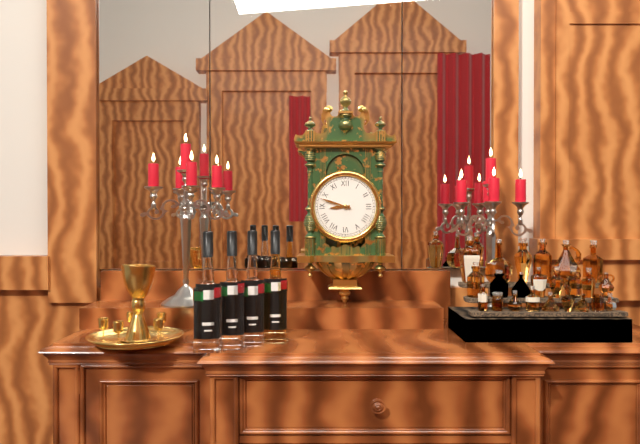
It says 8:48
